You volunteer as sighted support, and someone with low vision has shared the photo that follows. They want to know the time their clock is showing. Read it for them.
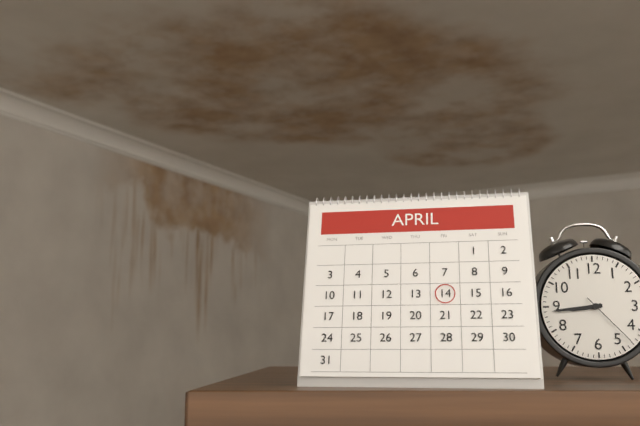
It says 8:44:23
